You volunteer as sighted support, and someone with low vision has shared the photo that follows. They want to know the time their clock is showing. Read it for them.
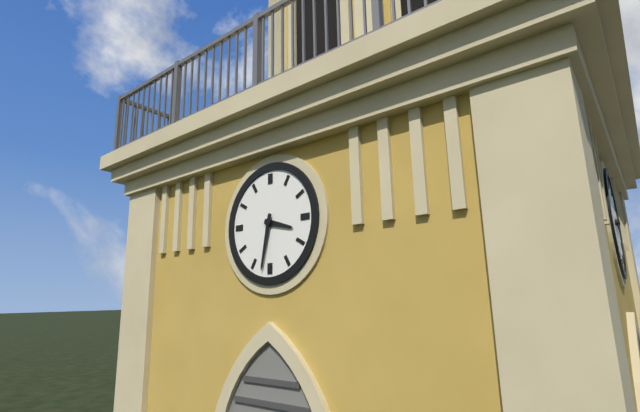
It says 3:32
